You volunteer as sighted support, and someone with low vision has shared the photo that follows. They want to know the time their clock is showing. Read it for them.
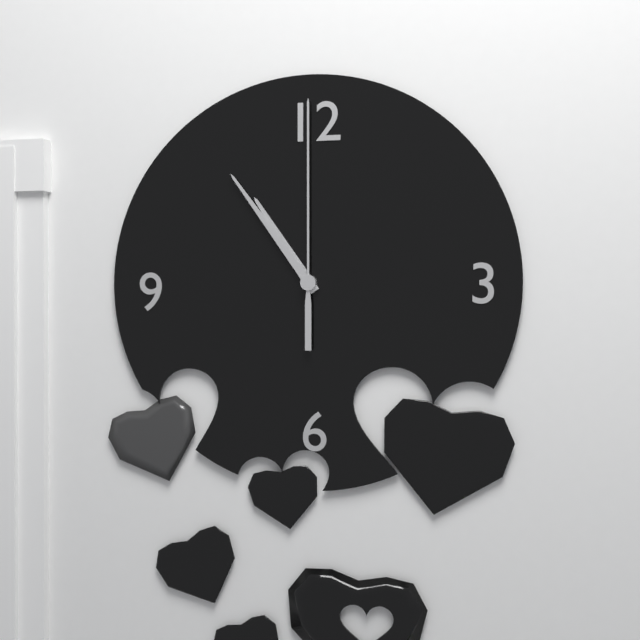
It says 10:54:00
